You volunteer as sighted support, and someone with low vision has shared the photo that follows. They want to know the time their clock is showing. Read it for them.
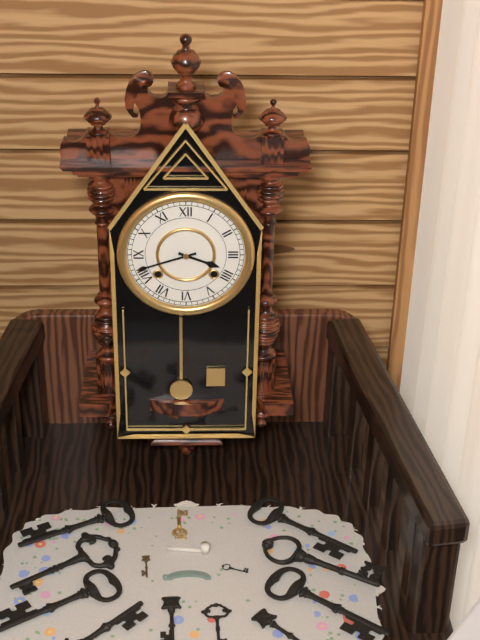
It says 3:42
